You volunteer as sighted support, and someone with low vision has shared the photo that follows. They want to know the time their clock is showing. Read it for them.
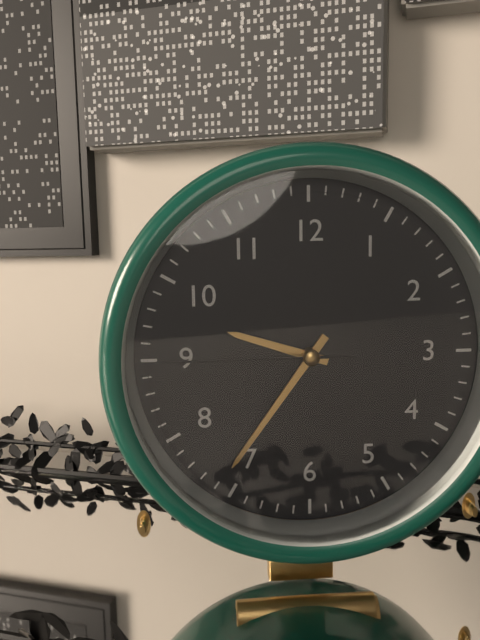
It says 9:36:45
